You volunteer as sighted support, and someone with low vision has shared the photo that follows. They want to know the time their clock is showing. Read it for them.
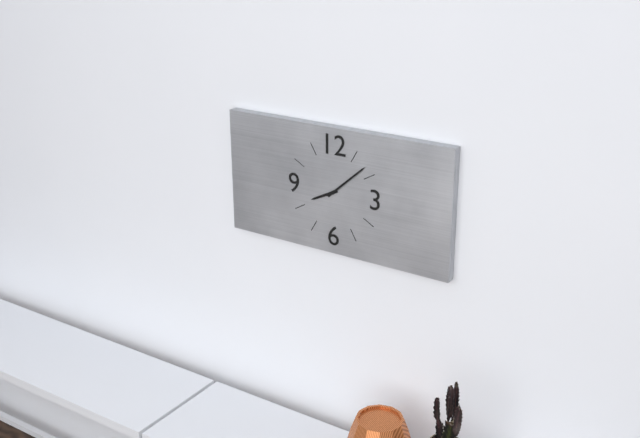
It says 8:08
